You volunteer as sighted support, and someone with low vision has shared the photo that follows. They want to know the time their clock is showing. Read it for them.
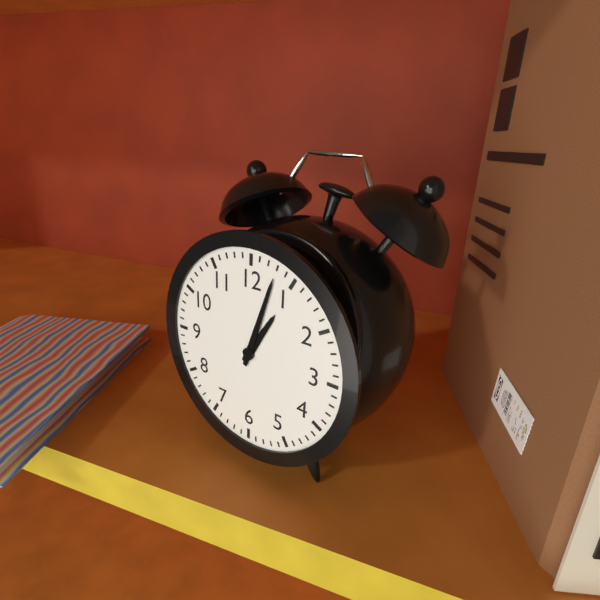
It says 1:03
